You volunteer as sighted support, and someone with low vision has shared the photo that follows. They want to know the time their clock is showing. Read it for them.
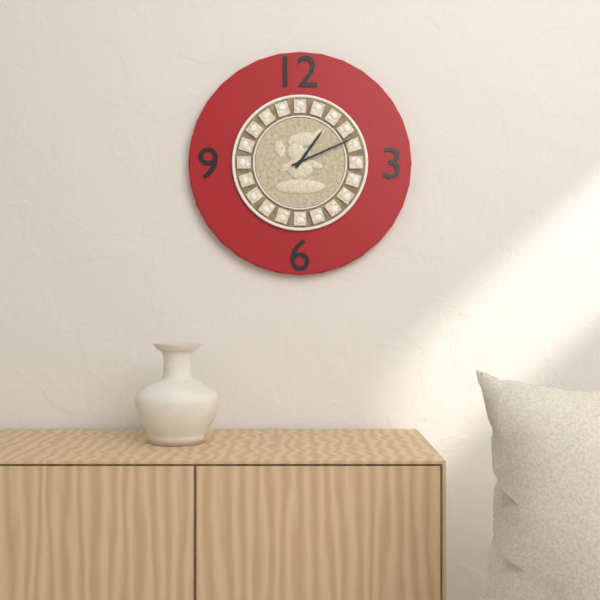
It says 1:11
